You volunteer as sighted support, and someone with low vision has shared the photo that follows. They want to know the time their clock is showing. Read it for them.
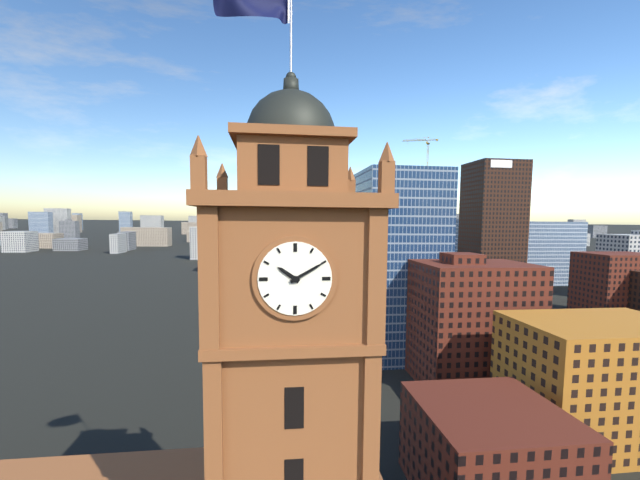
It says 10:10
